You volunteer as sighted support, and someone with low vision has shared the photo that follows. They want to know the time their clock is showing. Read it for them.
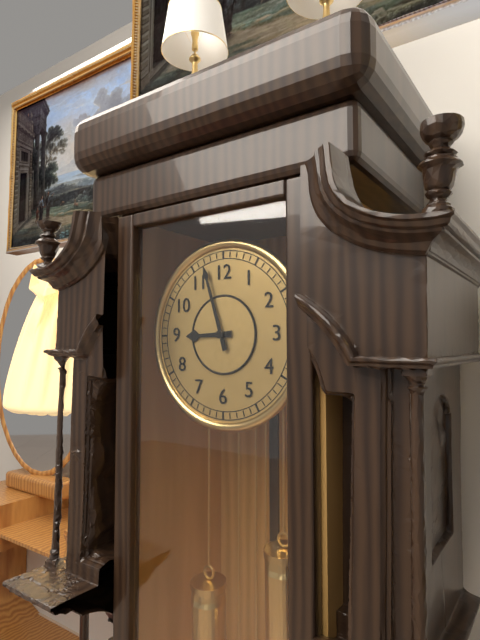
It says 8:57
